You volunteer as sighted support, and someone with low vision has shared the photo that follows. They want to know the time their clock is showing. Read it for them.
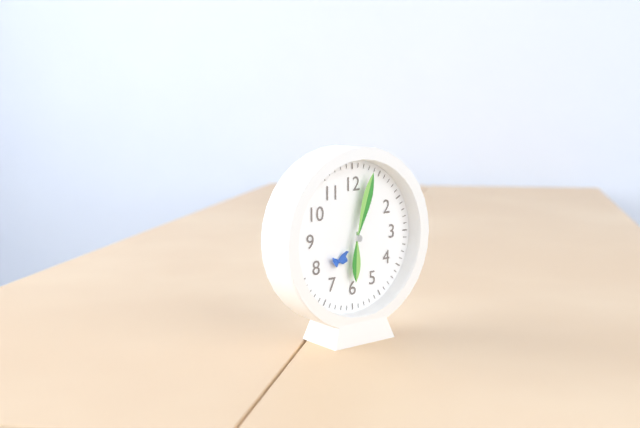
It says 6:03
